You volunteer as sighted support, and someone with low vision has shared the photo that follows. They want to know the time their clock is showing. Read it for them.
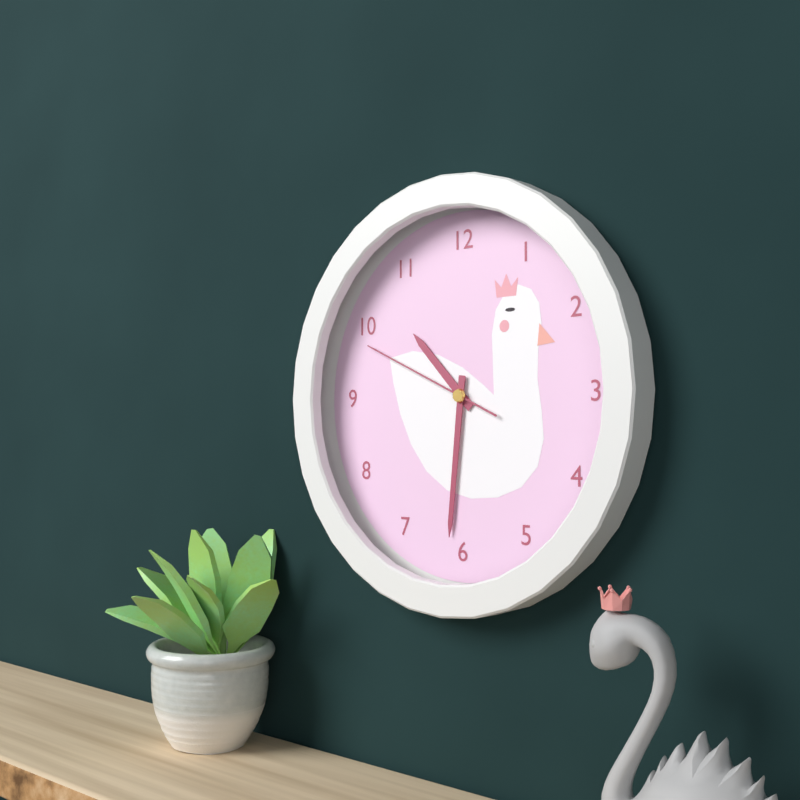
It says 10:31:49
